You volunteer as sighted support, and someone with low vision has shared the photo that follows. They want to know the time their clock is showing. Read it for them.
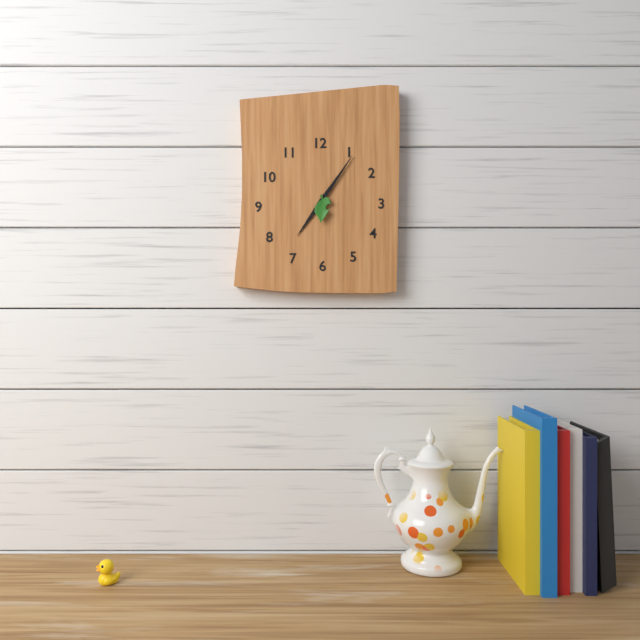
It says 7:06
